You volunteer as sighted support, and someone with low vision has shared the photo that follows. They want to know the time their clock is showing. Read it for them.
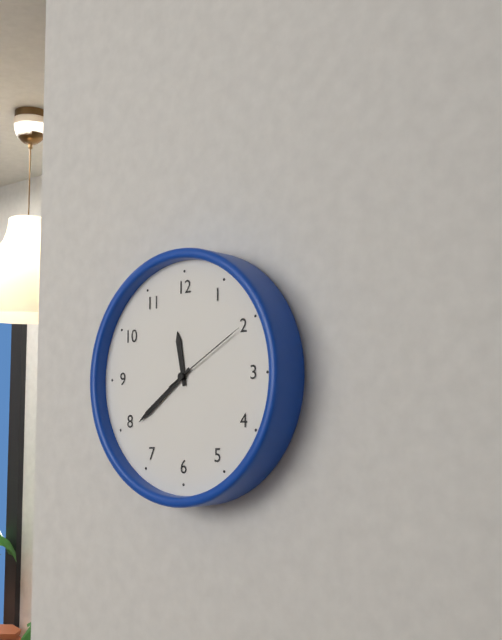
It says 11:39:10
